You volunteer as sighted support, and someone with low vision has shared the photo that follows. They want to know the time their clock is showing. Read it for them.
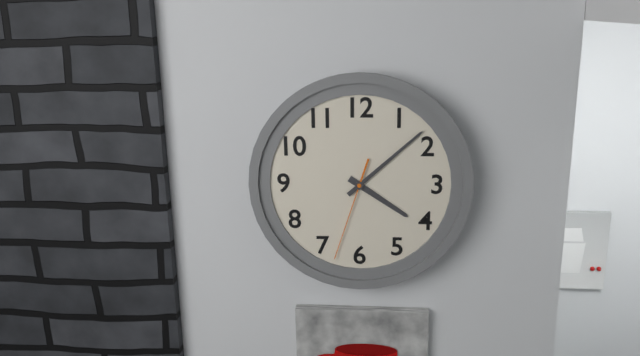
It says 4:08:33
